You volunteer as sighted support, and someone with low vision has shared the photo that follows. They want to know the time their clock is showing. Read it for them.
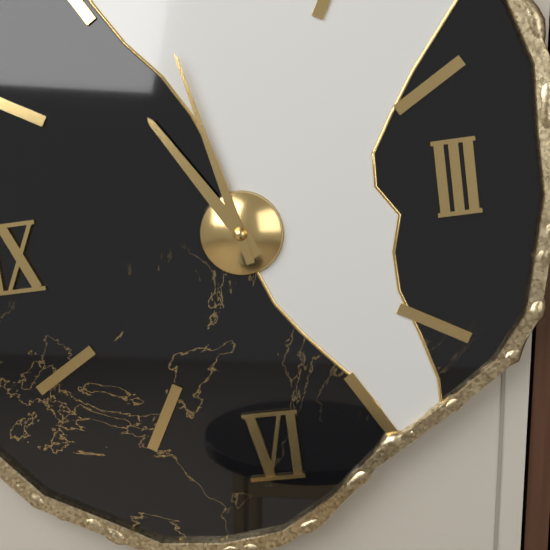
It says 10:58
